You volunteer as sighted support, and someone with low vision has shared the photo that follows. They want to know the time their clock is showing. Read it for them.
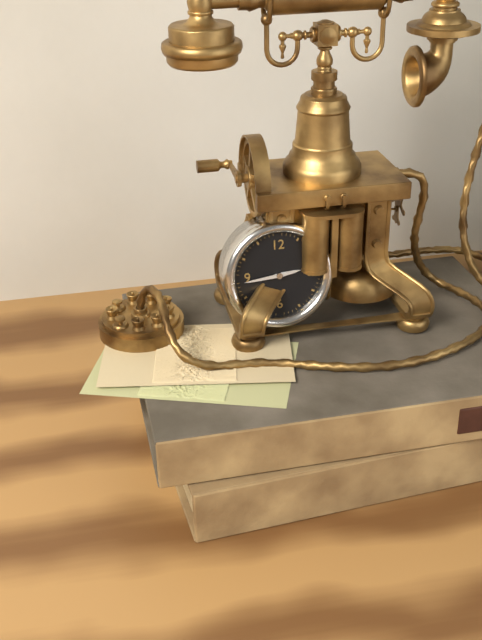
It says 2:44
